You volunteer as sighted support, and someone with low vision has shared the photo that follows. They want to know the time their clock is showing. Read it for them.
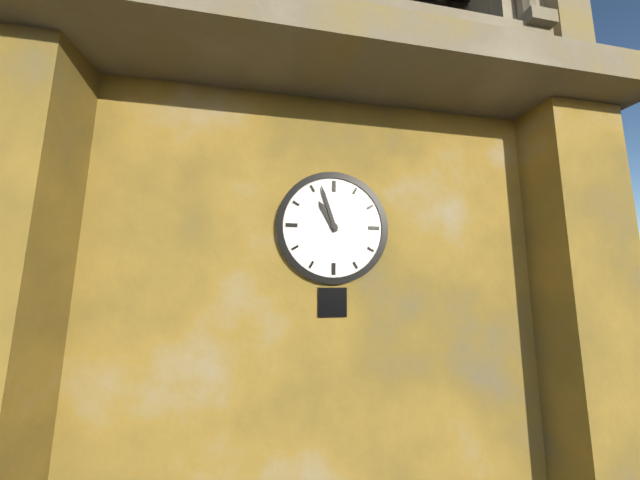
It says 10:57
